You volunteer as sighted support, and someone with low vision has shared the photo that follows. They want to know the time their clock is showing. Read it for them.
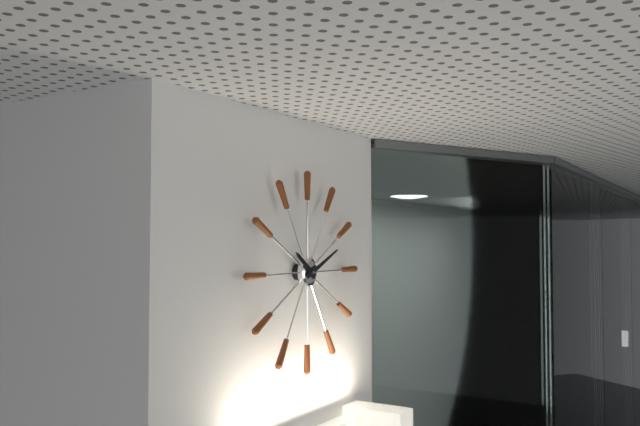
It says 10:11
